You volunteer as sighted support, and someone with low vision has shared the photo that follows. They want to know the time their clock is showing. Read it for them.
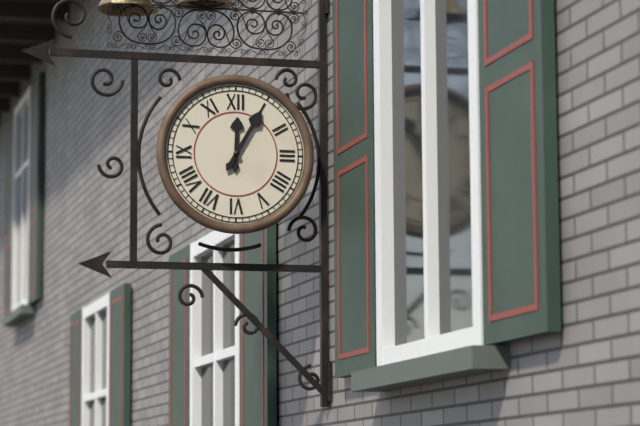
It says 12:05
